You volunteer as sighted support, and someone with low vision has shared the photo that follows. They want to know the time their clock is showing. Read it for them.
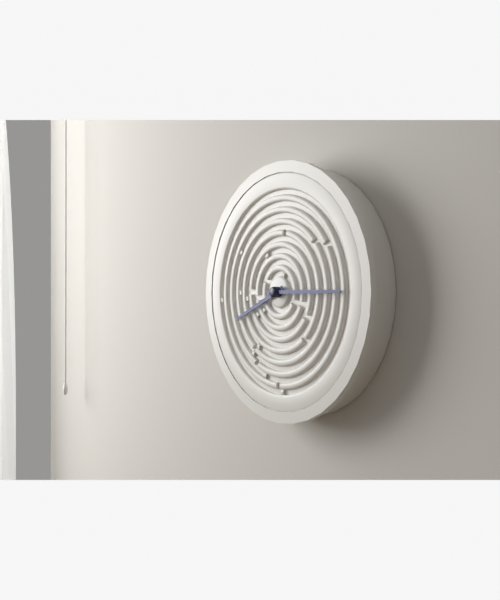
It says 8:15
